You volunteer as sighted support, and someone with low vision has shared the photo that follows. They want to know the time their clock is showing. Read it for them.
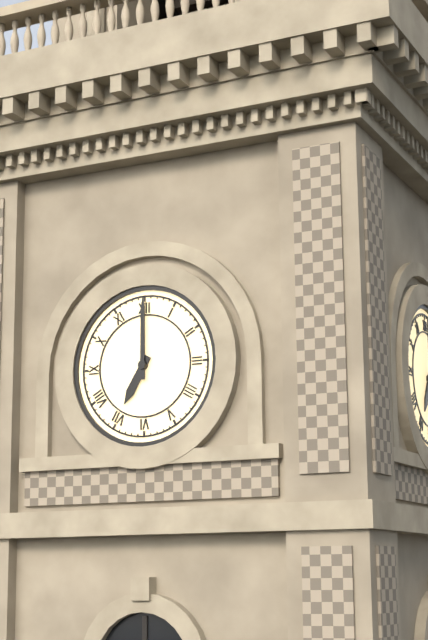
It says 7:00
